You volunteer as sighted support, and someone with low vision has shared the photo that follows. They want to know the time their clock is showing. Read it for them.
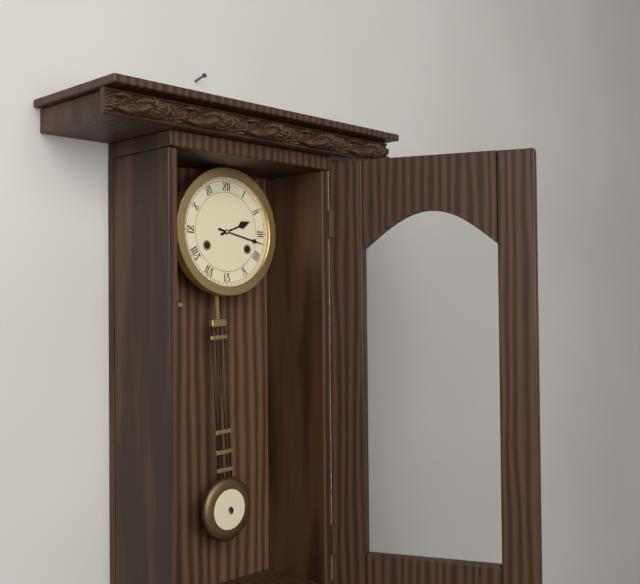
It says 2:17
